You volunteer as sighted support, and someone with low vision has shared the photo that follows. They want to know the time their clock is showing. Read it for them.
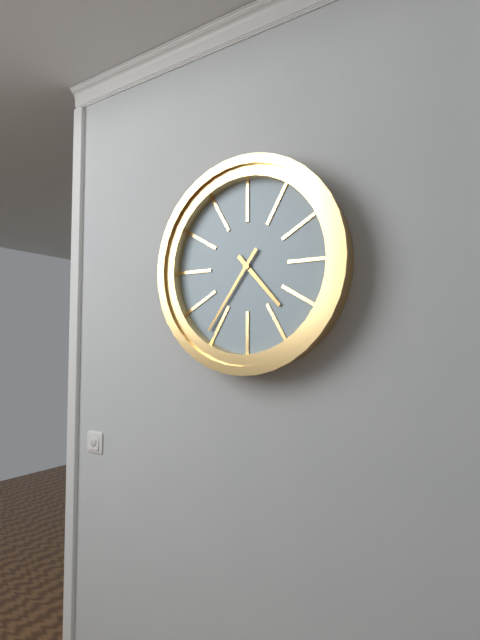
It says 4:36
